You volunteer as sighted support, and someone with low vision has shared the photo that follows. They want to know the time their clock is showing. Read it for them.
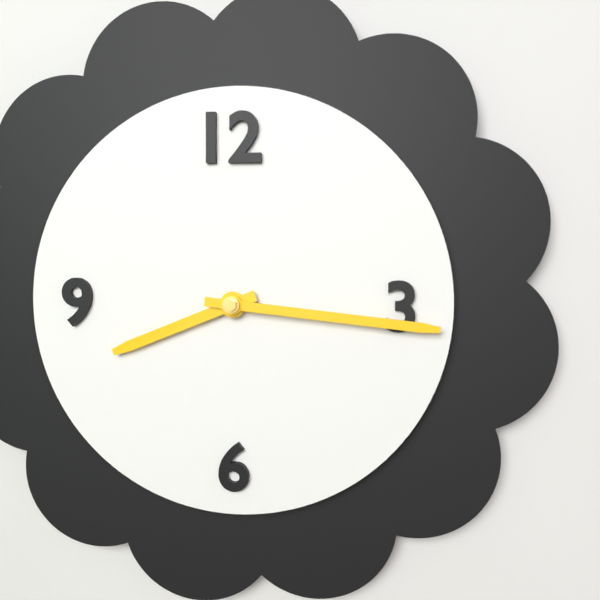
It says 8:16
